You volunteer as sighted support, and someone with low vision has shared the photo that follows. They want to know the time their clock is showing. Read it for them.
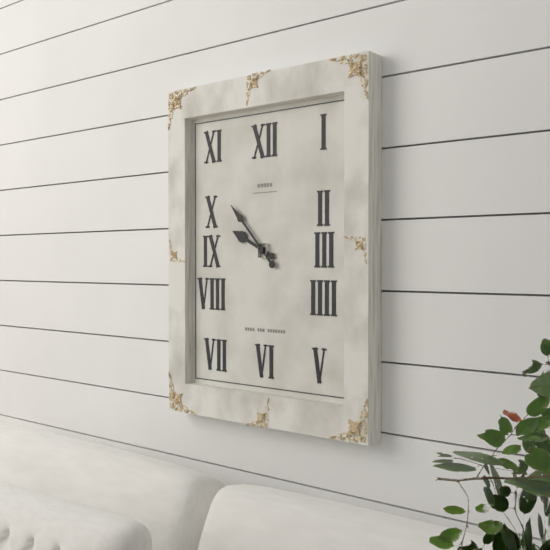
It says 9:53
